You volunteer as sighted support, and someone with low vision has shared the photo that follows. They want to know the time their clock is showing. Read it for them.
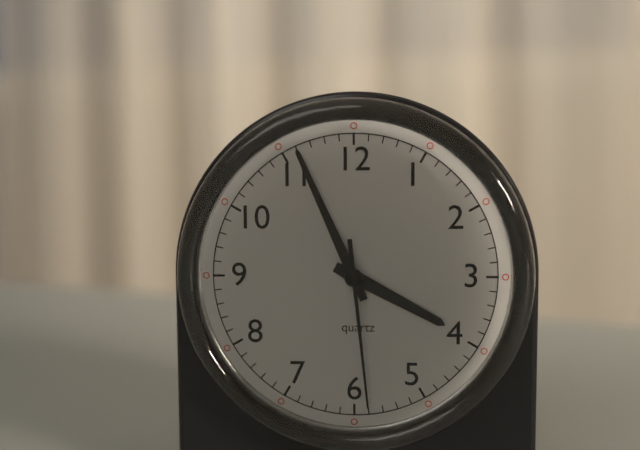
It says 3:56:29
